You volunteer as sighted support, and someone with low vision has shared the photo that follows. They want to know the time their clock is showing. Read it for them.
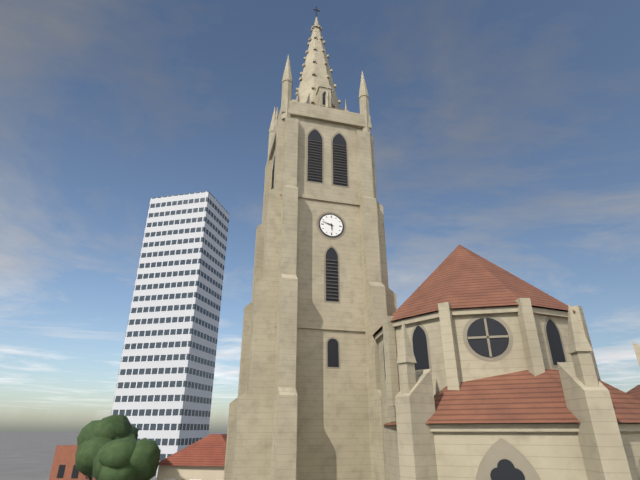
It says 5:48
